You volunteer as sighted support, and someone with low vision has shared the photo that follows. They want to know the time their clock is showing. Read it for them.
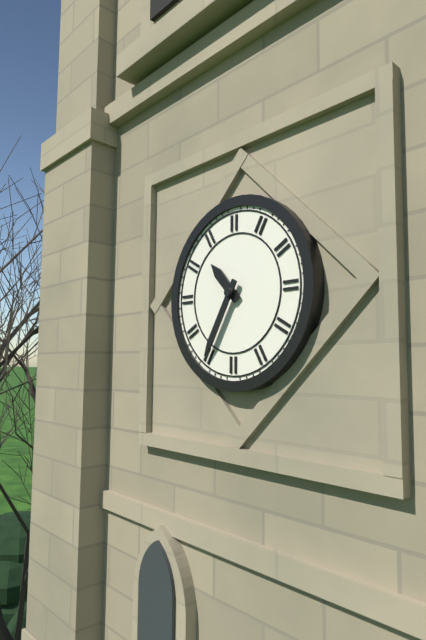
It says 10:35
